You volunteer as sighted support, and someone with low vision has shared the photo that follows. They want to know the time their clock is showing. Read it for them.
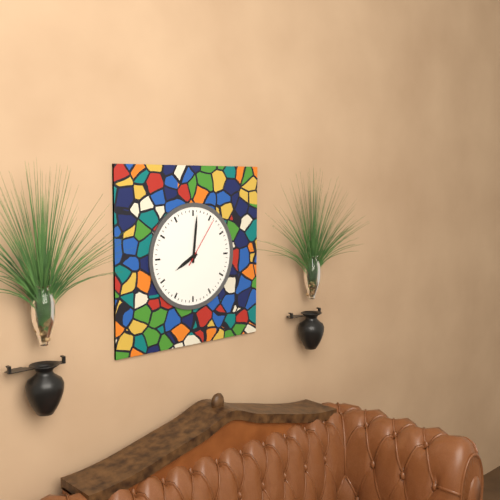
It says 8:01:06
